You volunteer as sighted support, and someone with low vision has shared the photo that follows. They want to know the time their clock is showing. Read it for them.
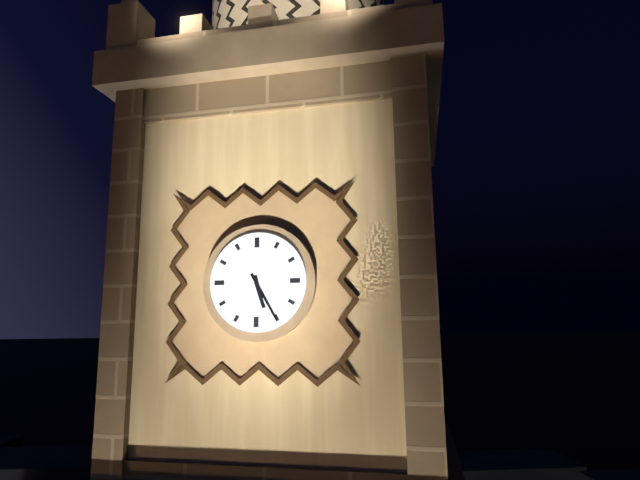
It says 5:25
